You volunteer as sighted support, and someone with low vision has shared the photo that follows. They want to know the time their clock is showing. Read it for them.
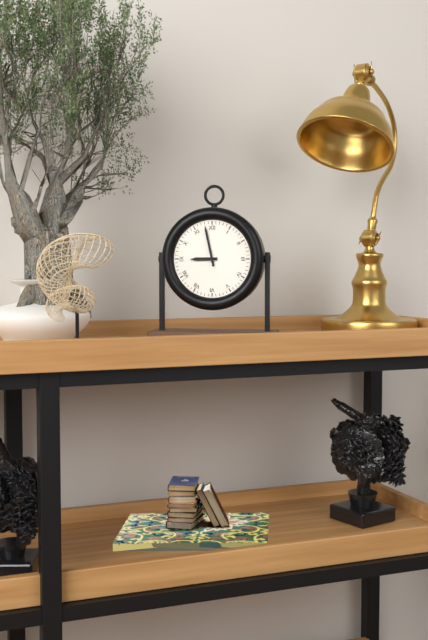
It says 8:58
